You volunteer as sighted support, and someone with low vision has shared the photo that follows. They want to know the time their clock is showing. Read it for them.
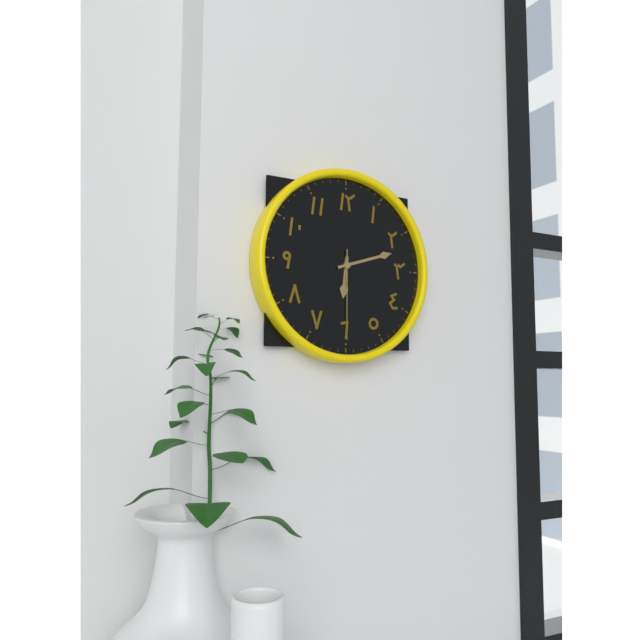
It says 6:12:30
